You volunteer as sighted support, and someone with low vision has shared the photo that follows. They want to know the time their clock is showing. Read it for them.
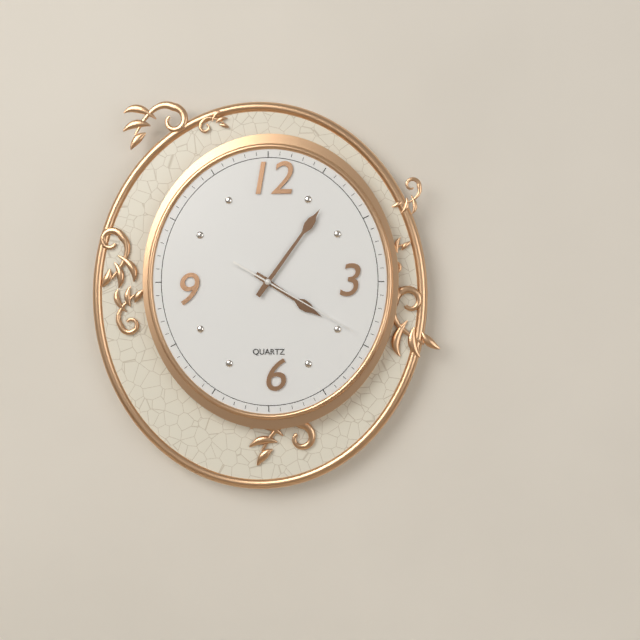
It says 4:06:20
